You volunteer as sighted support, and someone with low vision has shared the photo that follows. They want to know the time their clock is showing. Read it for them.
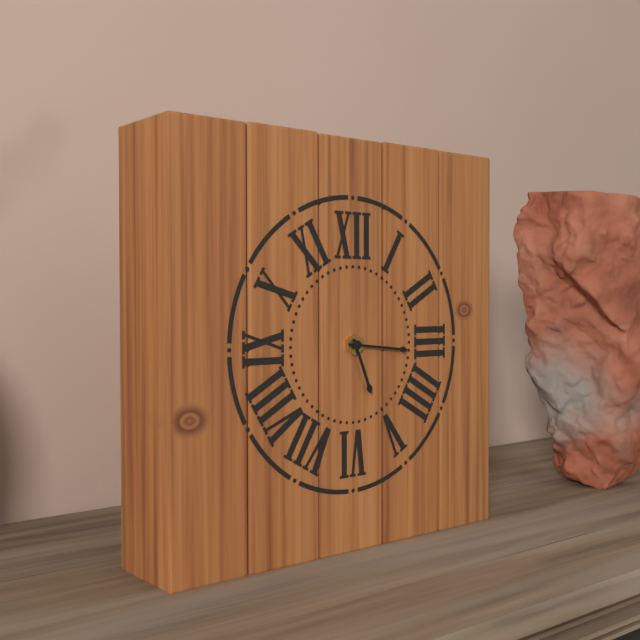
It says 5:16
